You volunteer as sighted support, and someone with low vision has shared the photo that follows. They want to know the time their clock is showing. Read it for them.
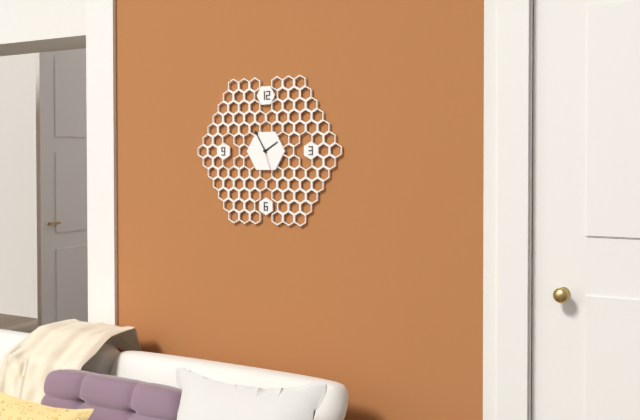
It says 1:55
